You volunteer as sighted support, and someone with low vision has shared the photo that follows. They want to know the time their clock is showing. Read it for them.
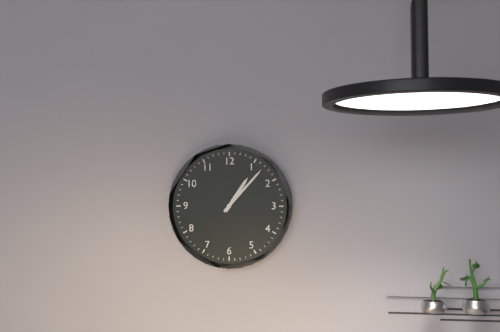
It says 1:07
